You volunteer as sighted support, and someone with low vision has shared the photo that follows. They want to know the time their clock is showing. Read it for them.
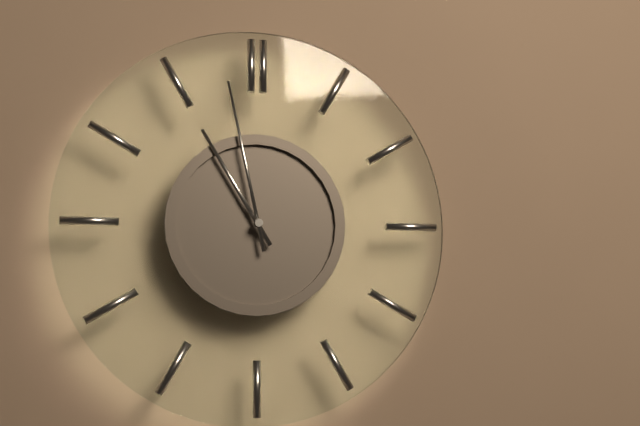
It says 10:58
